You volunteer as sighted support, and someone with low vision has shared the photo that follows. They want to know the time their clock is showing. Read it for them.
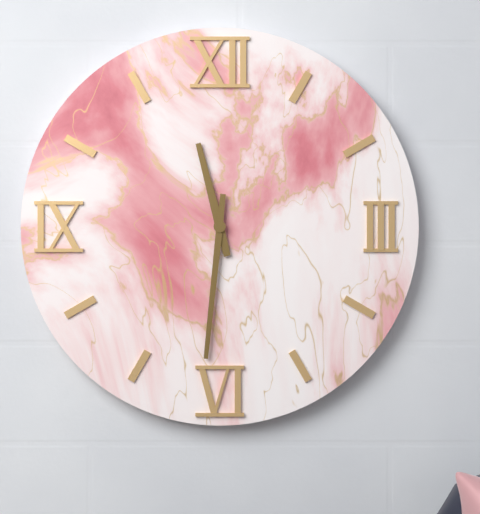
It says 11:31
